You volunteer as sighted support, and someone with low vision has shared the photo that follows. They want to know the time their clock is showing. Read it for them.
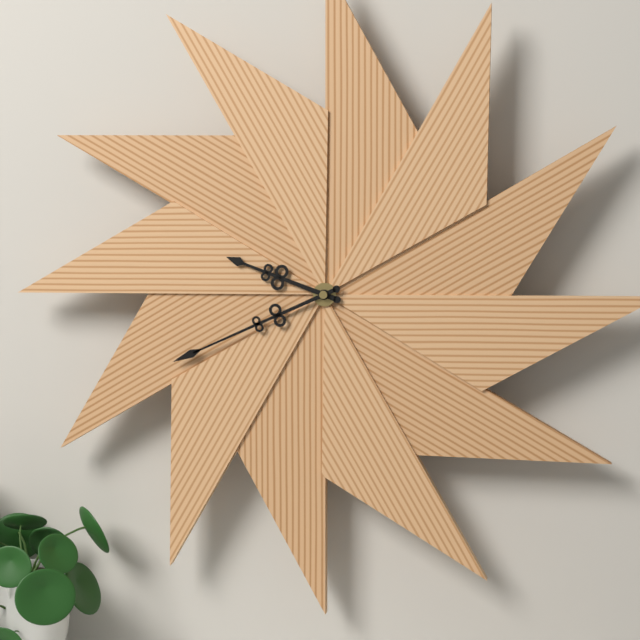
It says 9:41
